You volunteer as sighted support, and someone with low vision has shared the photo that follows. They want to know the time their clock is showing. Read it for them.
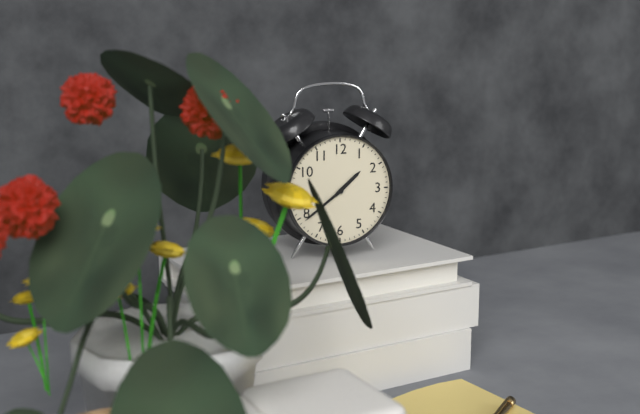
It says 1:39
